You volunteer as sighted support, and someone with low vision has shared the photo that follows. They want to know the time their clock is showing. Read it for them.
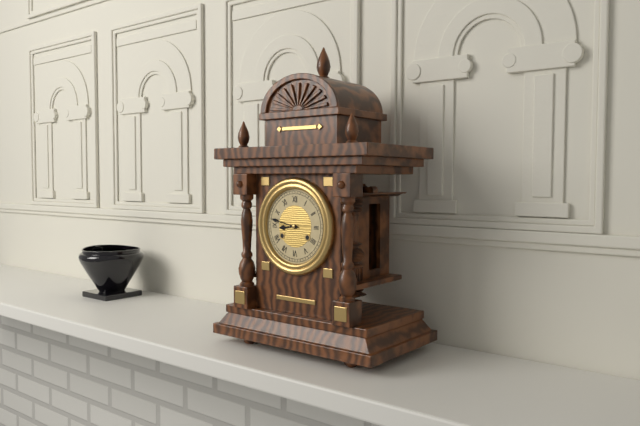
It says 8:47
